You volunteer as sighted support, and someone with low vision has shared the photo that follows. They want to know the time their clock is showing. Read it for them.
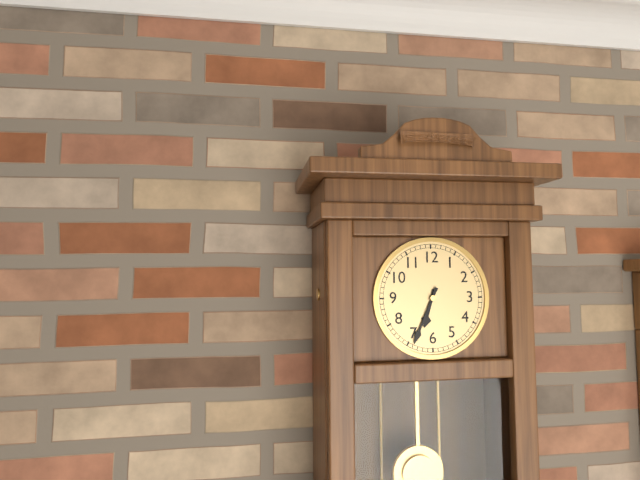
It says 6:34
